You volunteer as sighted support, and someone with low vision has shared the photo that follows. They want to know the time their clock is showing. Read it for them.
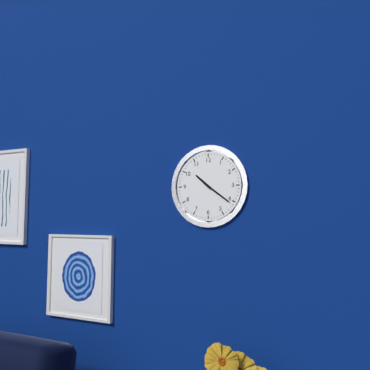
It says 10:21
